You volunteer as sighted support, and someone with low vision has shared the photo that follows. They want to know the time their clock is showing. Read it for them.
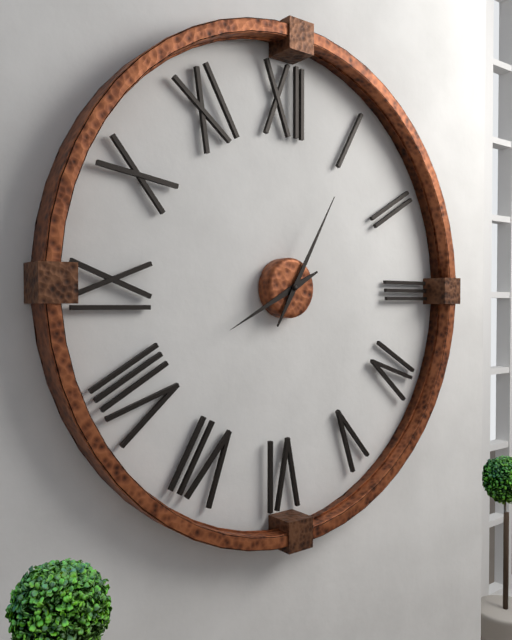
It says 8:05
